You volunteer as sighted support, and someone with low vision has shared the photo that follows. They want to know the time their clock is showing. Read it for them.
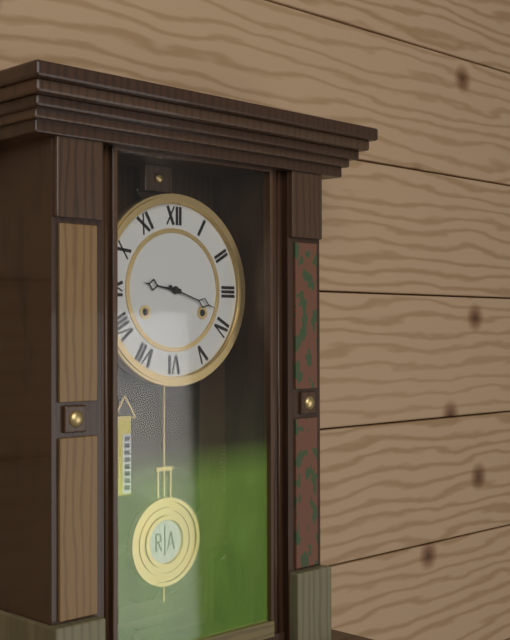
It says 9:18
